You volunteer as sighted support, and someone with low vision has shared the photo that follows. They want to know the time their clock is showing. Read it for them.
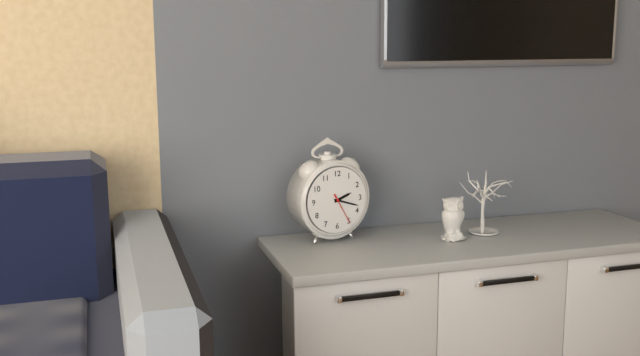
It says 2:18
